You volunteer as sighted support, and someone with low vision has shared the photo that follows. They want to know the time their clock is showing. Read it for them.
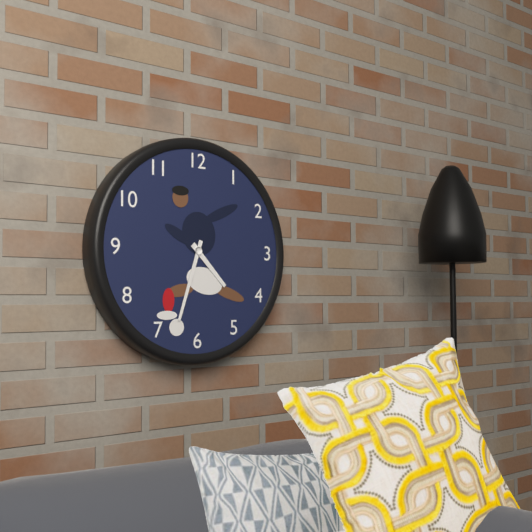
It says 4:33
